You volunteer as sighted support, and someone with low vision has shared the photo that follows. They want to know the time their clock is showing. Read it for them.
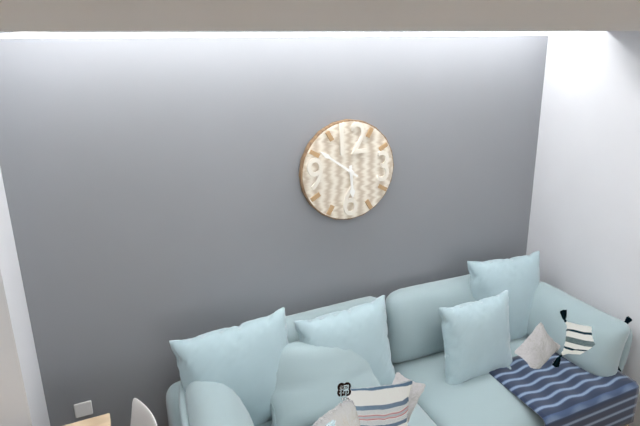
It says 5:51
